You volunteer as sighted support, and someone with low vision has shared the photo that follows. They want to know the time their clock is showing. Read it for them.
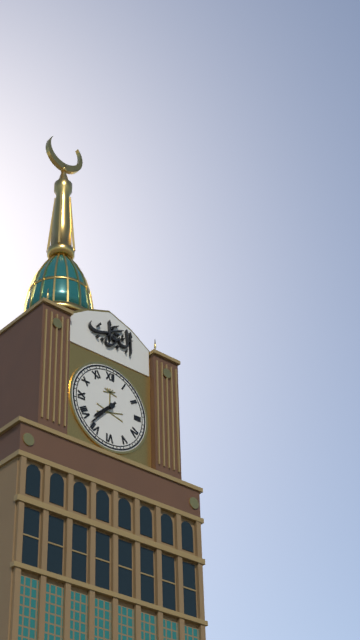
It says 7:37
